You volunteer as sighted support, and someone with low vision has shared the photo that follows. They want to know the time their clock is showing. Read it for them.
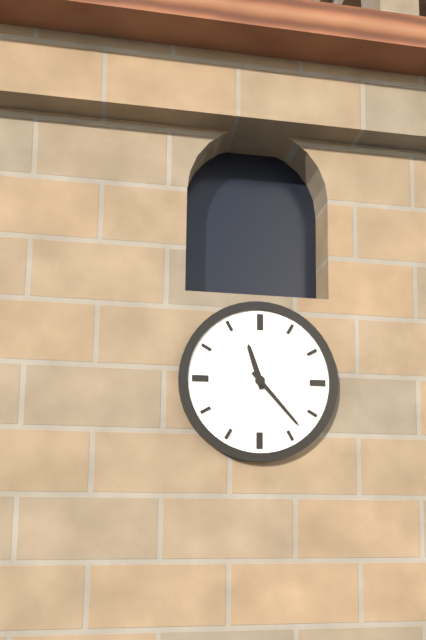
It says 11:23
